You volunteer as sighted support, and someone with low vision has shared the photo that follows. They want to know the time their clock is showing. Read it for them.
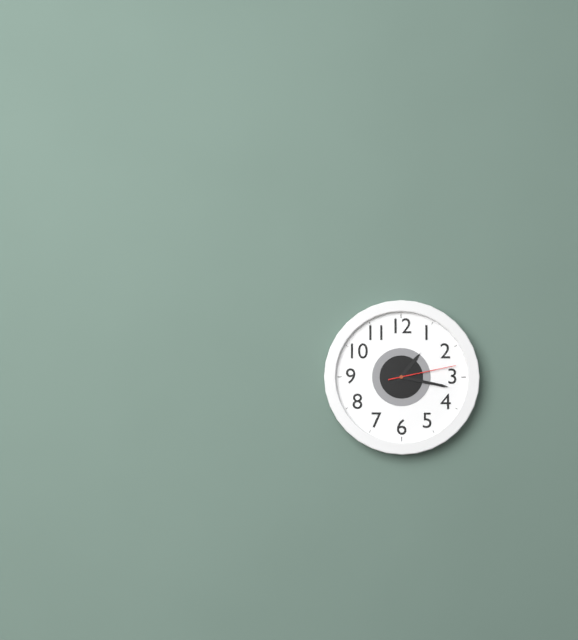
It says 1:17:13
